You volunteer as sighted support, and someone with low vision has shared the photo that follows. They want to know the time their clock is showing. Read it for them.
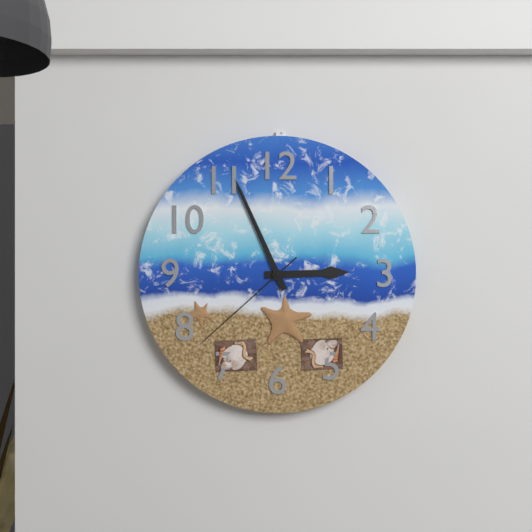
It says 2:56:38
